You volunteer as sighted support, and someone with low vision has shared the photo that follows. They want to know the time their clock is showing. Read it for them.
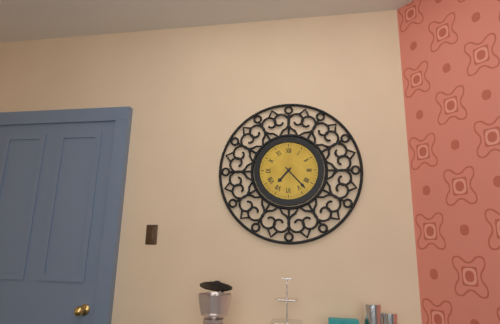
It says 7:23
